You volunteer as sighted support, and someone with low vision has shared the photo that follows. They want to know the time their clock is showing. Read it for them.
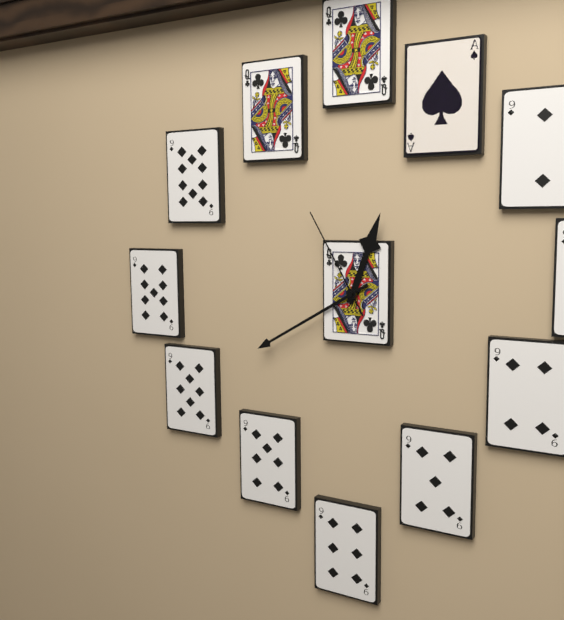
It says 12:40:55
